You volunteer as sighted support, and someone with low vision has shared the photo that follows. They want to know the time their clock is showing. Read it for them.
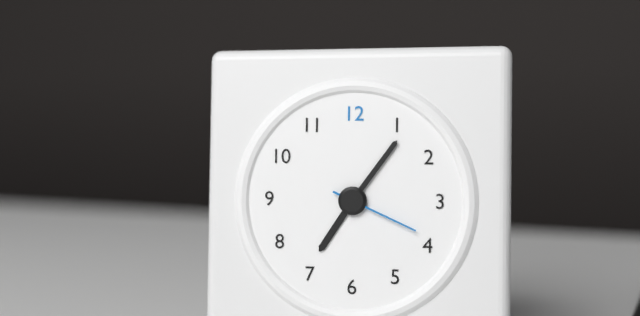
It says 7:06:19
